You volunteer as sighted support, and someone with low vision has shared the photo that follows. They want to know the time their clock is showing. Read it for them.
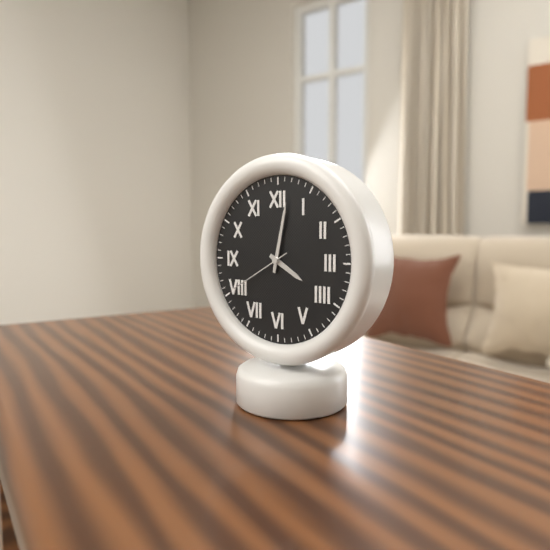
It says 4:02:40
